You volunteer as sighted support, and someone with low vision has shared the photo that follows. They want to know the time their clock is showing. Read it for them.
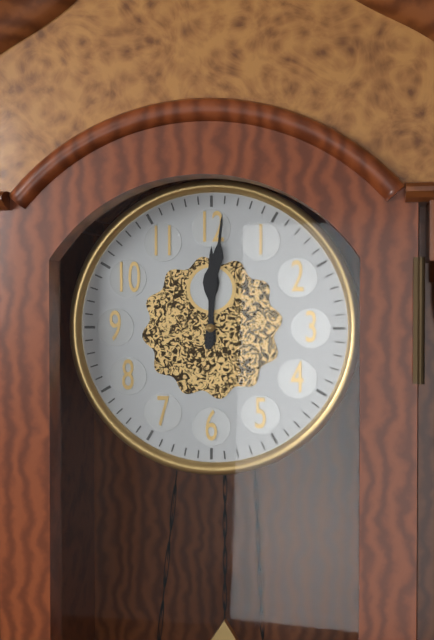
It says 12:01
